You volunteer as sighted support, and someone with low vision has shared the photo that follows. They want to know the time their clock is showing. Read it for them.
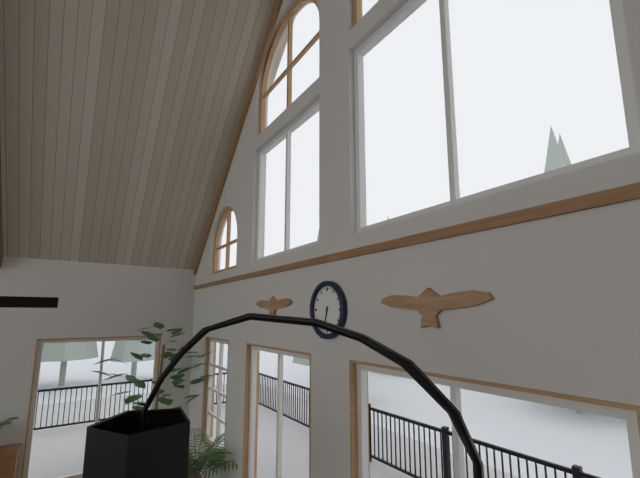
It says 6:32
